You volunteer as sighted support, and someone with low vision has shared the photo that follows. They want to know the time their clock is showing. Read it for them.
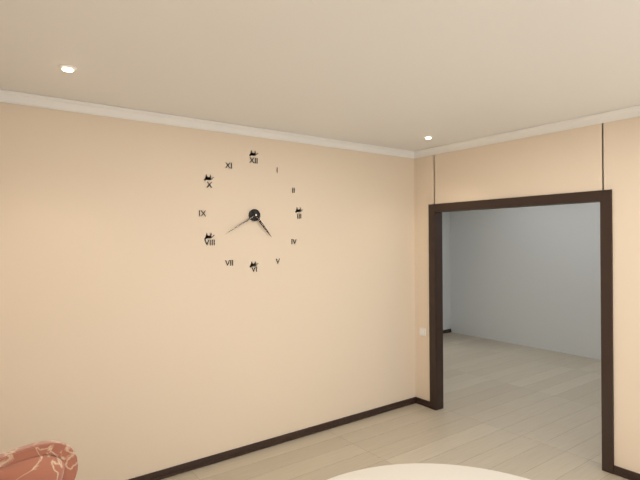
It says 4:40
